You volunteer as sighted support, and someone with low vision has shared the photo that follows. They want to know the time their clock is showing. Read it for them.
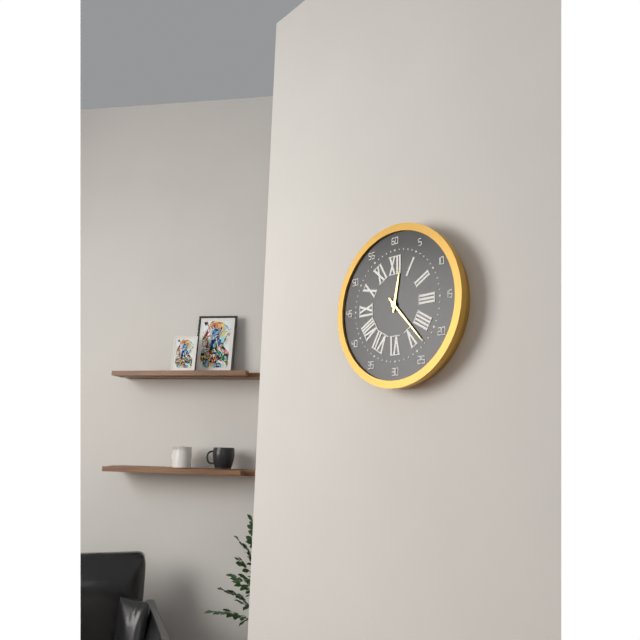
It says 12:23
